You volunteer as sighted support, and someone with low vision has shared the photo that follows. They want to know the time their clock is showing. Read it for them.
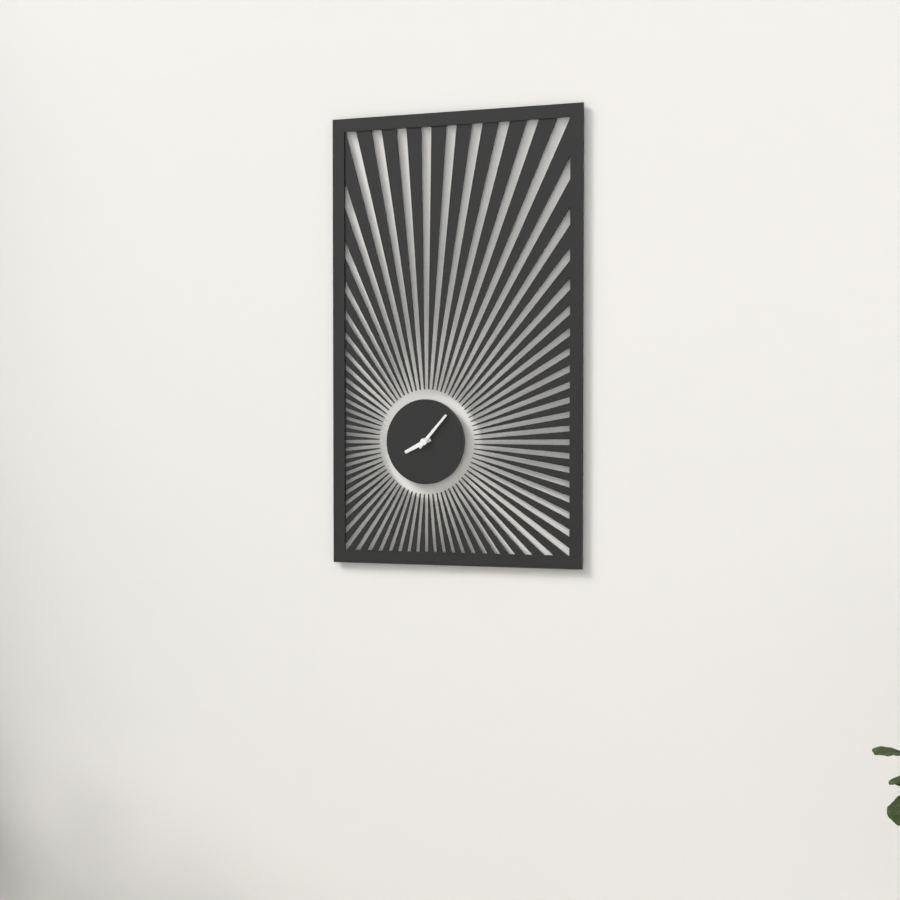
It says 8:07
